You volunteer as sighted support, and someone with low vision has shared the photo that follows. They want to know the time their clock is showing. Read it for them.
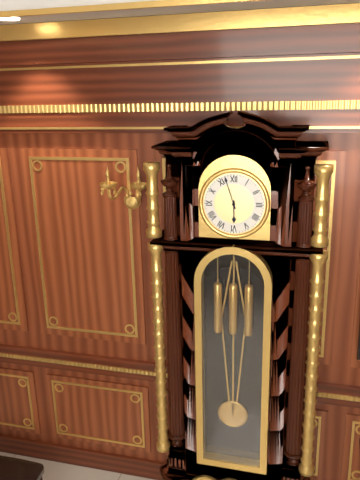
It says 5:57
